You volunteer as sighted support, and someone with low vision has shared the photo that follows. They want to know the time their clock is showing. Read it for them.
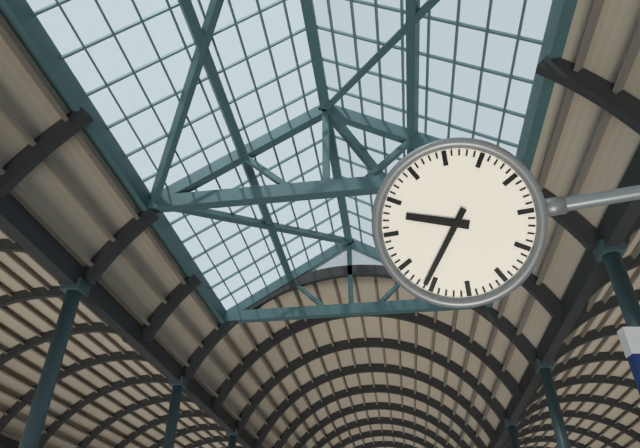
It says 9:36
